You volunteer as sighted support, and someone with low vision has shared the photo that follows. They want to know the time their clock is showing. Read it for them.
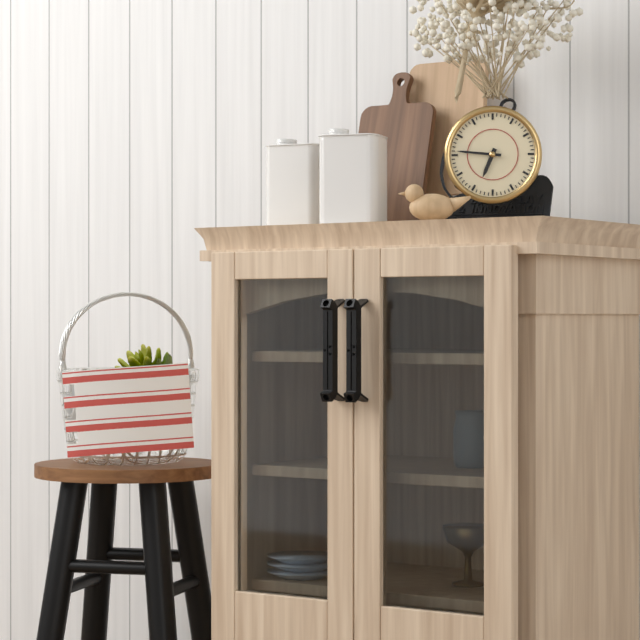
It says 6:46
